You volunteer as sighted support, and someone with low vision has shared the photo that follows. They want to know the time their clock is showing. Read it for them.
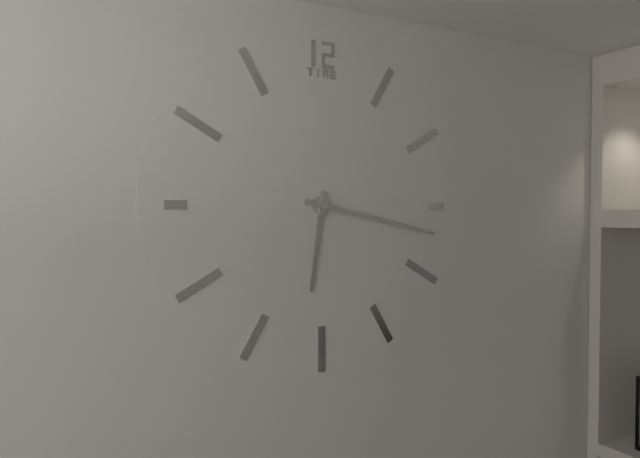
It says 6:17
